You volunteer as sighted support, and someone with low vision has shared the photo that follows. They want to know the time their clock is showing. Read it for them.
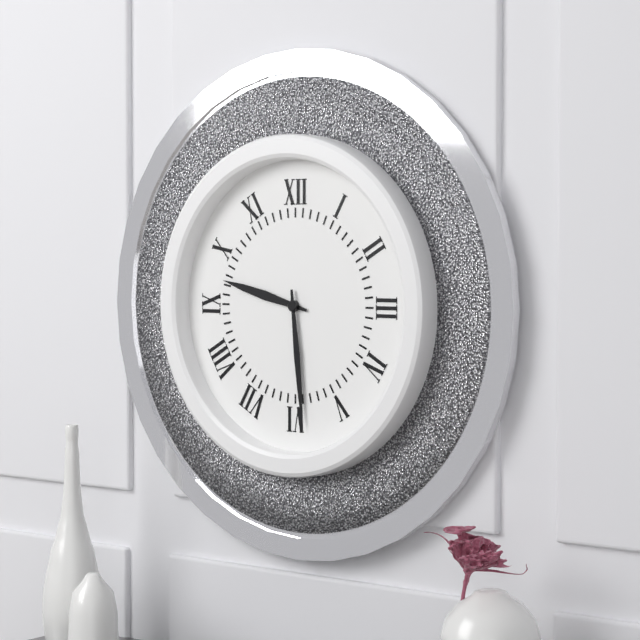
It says 9:29
